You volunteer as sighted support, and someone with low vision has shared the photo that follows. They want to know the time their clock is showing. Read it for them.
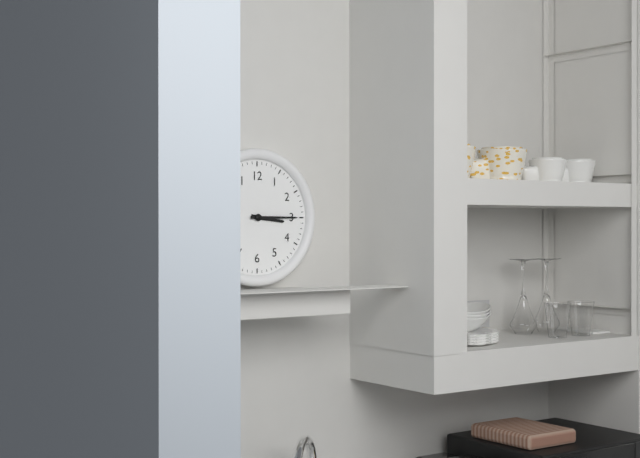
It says 3:15
